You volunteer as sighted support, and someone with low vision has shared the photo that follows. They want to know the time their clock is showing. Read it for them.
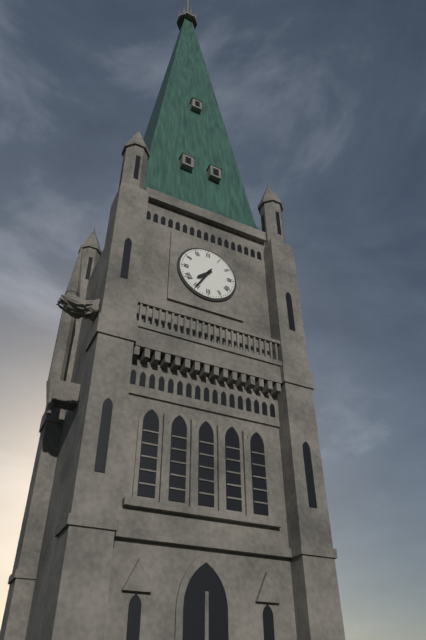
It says 7:35
